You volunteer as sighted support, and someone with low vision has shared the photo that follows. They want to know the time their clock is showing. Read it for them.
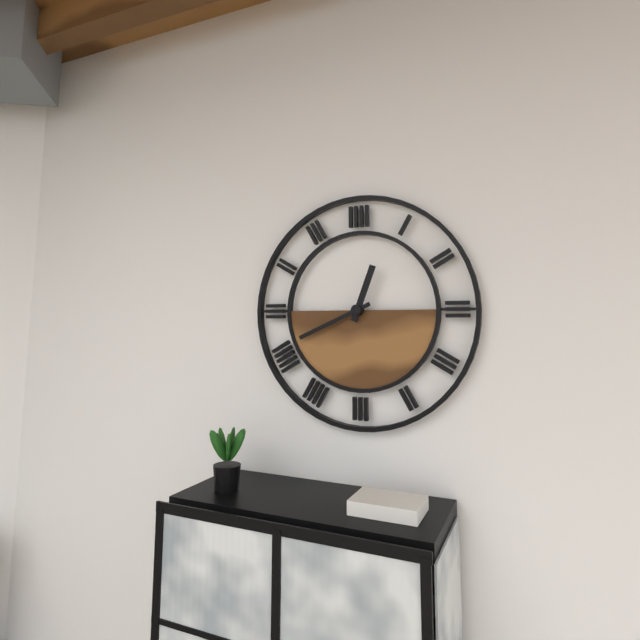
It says 12:41
